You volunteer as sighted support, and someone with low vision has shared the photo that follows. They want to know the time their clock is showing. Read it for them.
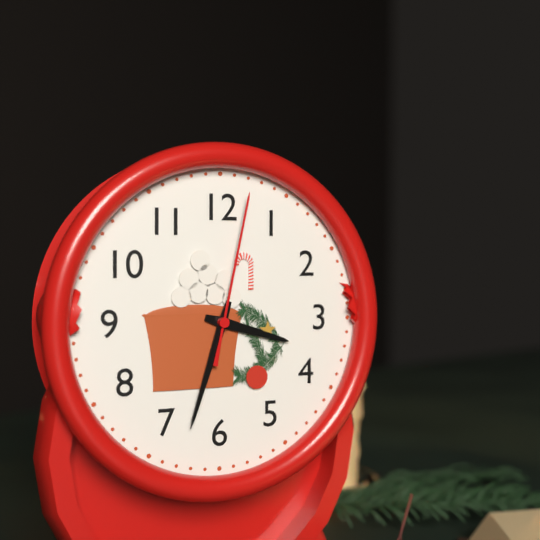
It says 3:33:02
